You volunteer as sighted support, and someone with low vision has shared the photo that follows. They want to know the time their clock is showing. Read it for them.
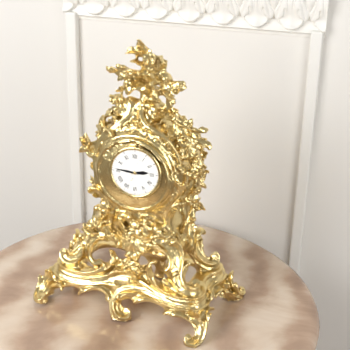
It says 2:46
